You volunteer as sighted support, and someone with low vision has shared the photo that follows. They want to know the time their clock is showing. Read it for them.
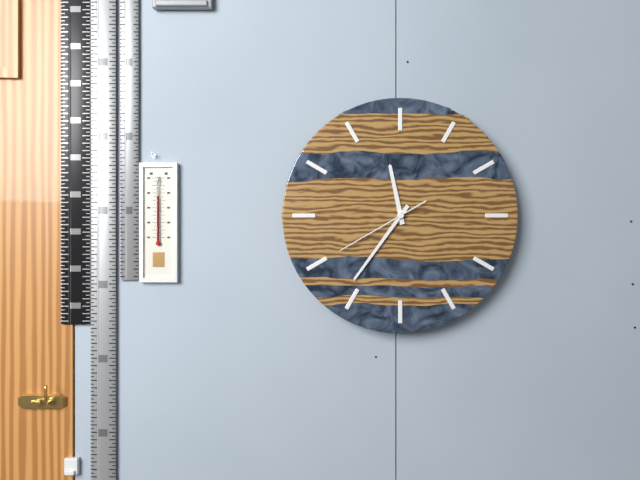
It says 11:36:40
